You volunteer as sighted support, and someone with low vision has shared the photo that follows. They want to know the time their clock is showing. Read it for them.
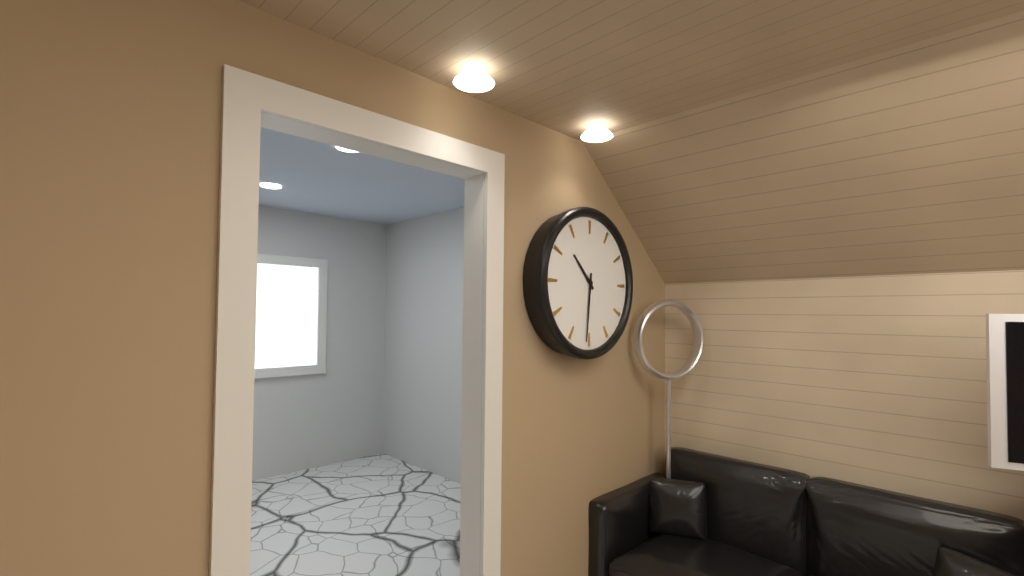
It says 10:31
